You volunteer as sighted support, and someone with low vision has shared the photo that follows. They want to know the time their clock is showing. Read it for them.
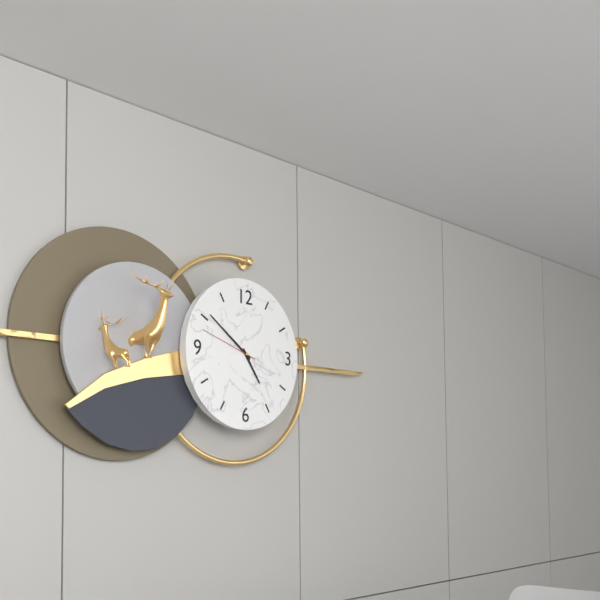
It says 4:51:48
